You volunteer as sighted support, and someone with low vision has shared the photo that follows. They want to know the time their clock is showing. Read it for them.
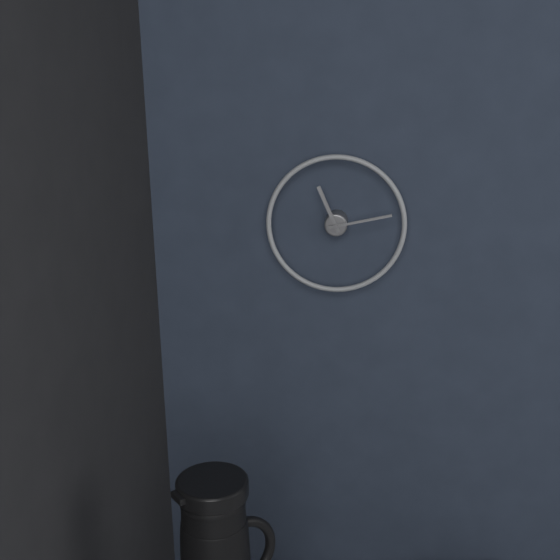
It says 11:13
